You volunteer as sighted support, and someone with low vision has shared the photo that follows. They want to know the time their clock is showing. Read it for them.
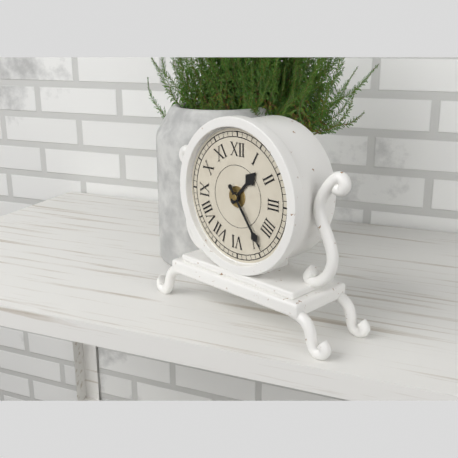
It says 1:24
